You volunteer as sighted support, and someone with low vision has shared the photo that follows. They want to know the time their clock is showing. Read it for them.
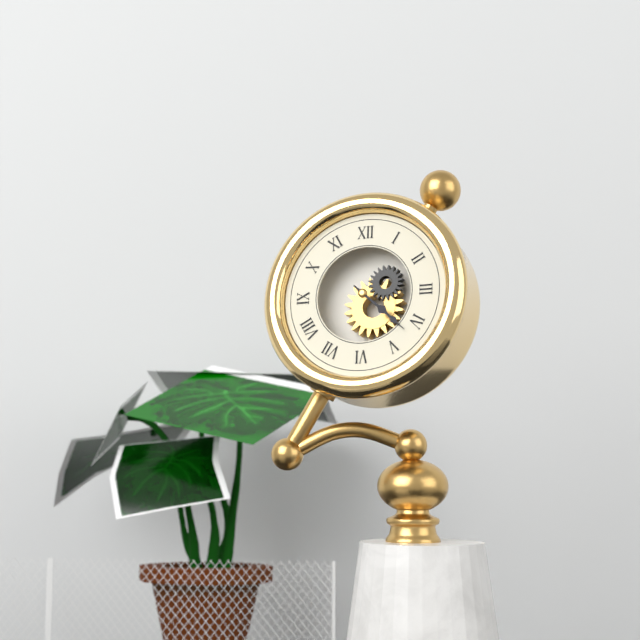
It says 4:22
